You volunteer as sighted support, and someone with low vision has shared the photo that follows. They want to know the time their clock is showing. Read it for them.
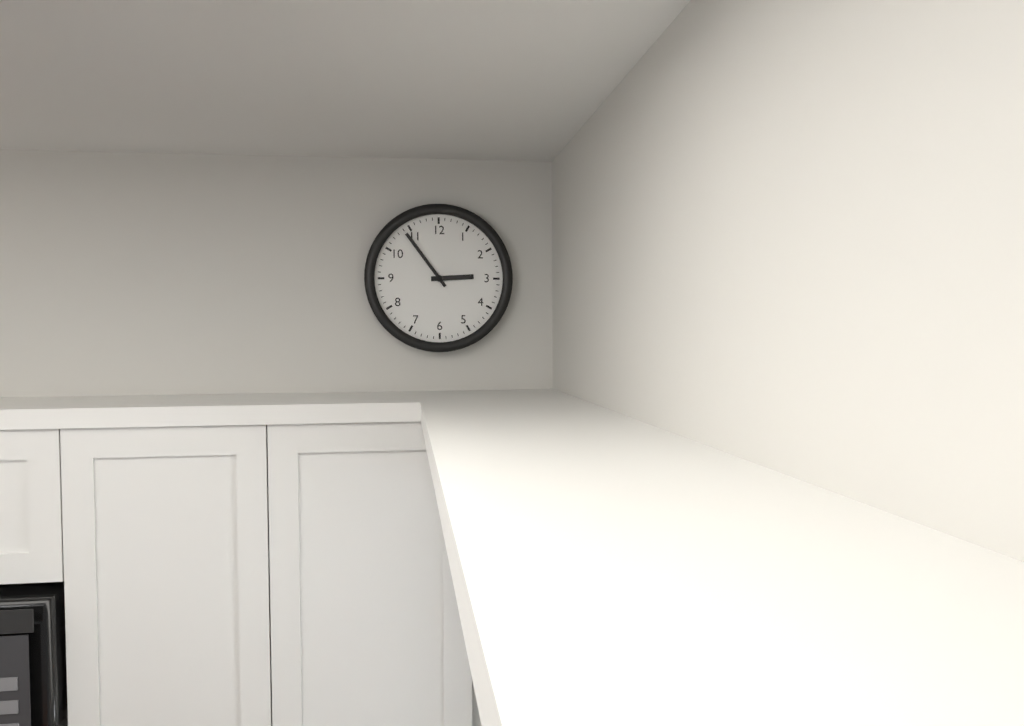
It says 2:54
